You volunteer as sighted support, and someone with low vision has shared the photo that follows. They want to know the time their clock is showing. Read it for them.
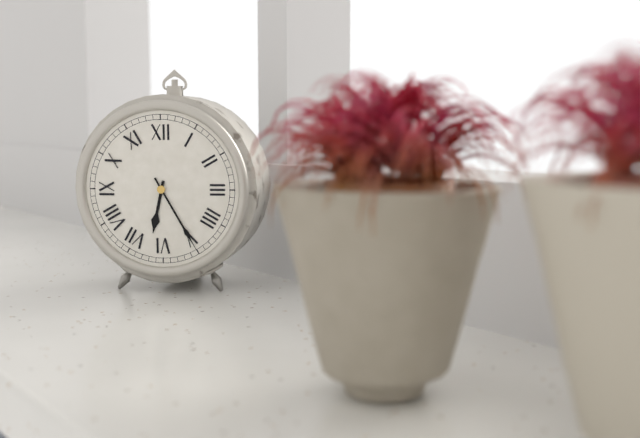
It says 6:25
